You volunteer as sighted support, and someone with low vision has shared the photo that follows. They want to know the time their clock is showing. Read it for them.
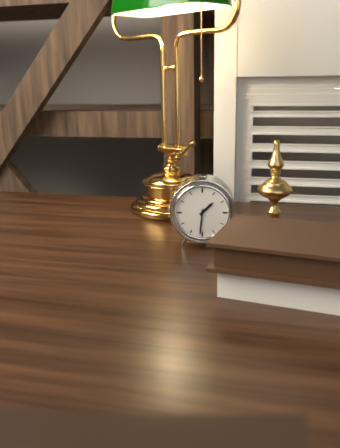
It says 1:31
